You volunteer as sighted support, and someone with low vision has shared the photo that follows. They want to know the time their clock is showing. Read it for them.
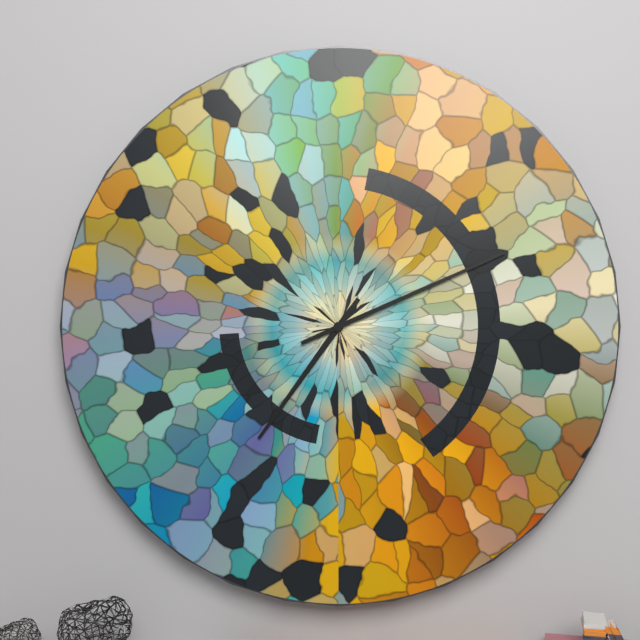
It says 7:11
